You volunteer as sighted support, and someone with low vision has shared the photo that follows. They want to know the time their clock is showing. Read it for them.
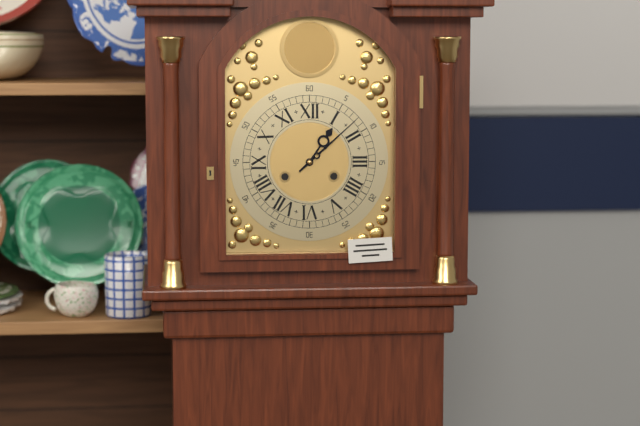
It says 1:08
